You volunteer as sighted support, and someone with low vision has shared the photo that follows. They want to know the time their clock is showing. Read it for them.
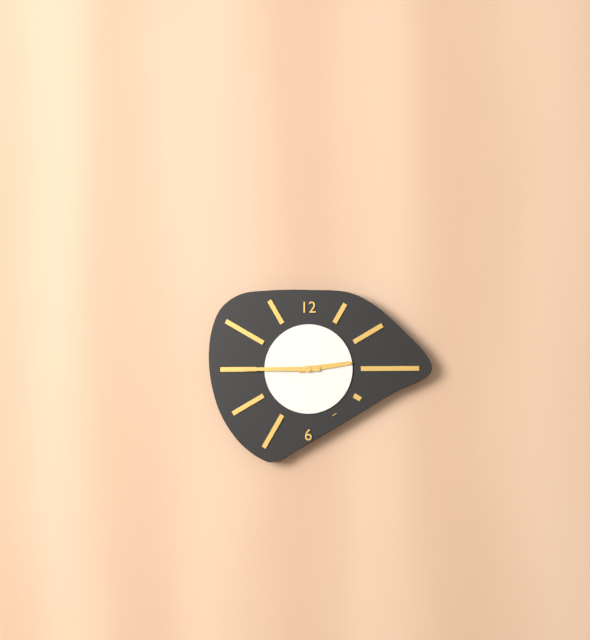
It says 2:45
